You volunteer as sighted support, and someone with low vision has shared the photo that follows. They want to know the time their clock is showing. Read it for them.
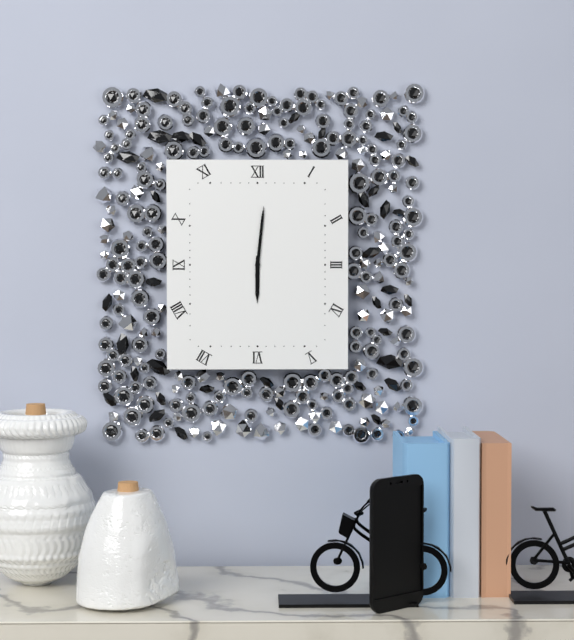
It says 6:01
